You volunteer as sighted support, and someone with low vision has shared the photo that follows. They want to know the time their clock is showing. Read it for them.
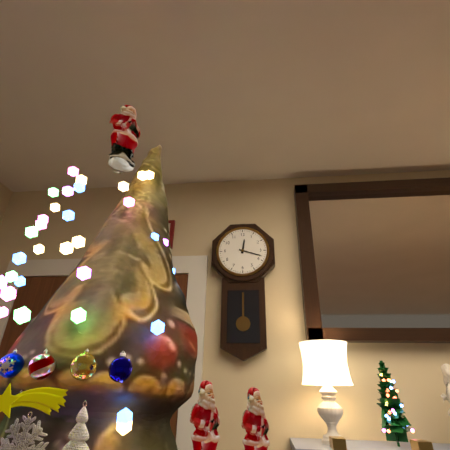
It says 12:18
